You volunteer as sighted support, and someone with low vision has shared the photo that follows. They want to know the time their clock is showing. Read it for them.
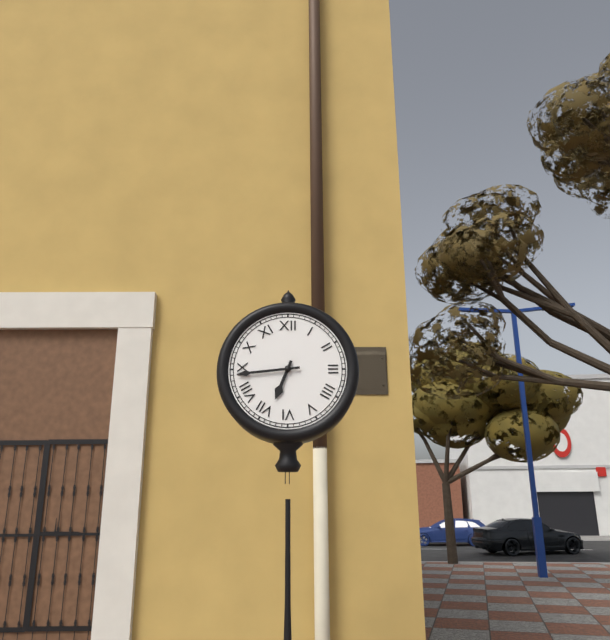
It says 6:44
